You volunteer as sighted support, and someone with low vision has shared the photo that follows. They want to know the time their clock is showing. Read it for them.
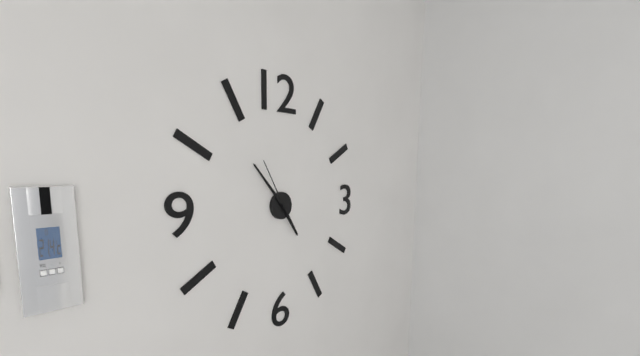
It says 4:53:55
